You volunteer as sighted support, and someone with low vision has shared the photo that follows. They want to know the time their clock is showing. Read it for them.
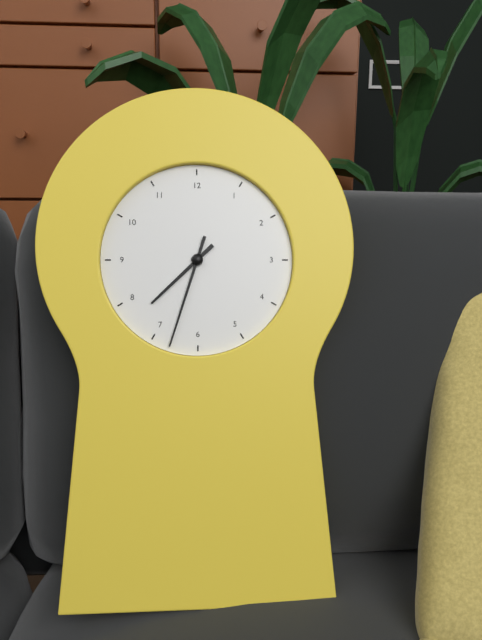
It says 7:33
